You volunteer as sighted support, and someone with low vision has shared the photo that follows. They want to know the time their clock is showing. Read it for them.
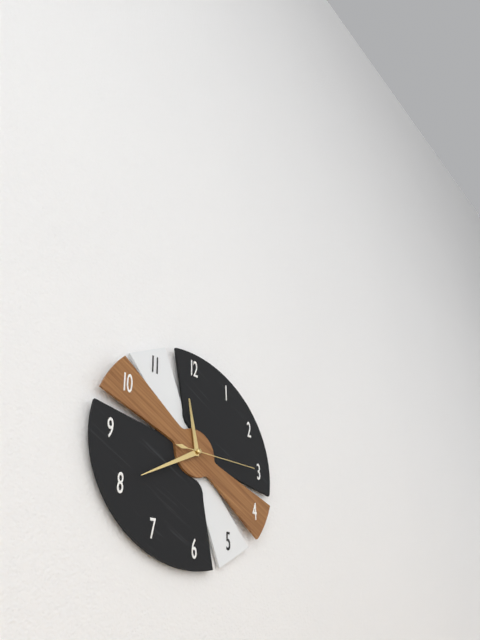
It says 11:40:15
